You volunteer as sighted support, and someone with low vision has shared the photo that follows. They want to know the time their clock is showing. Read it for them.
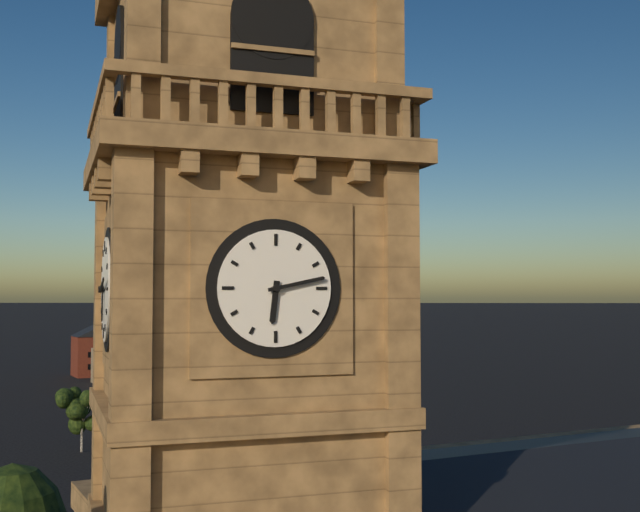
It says 6:13
